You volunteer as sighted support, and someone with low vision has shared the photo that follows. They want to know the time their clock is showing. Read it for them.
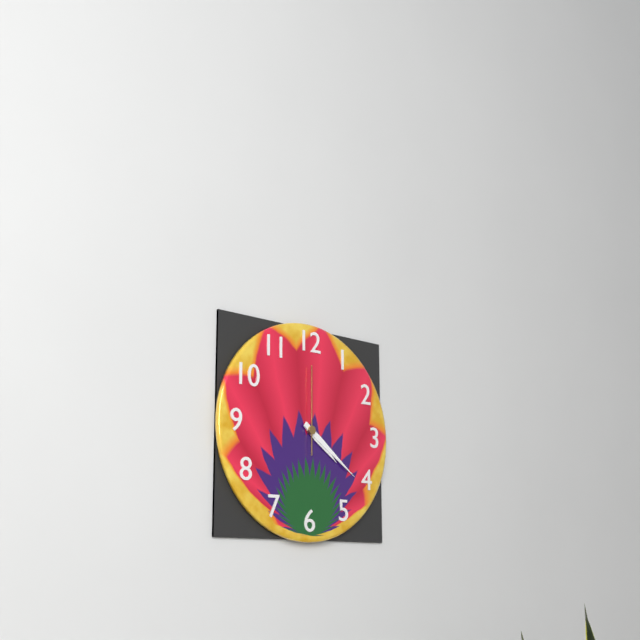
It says 4:21:00
